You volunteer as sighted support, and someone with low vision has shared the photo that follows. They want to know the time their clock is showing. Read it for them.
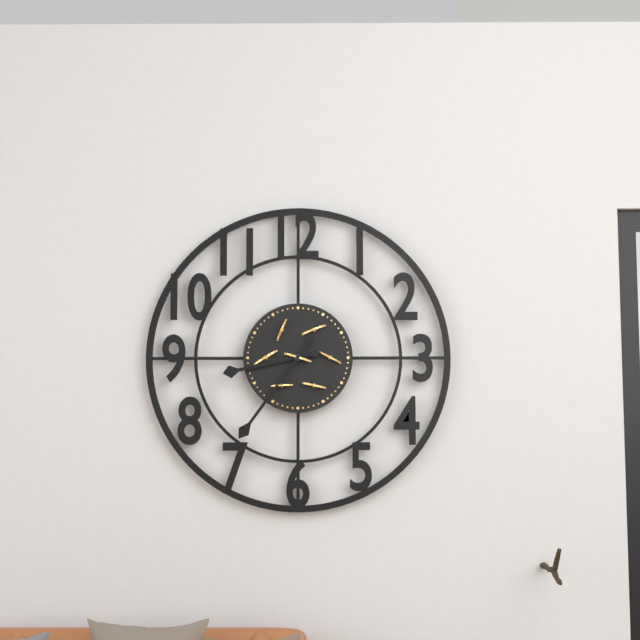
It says 8:36
